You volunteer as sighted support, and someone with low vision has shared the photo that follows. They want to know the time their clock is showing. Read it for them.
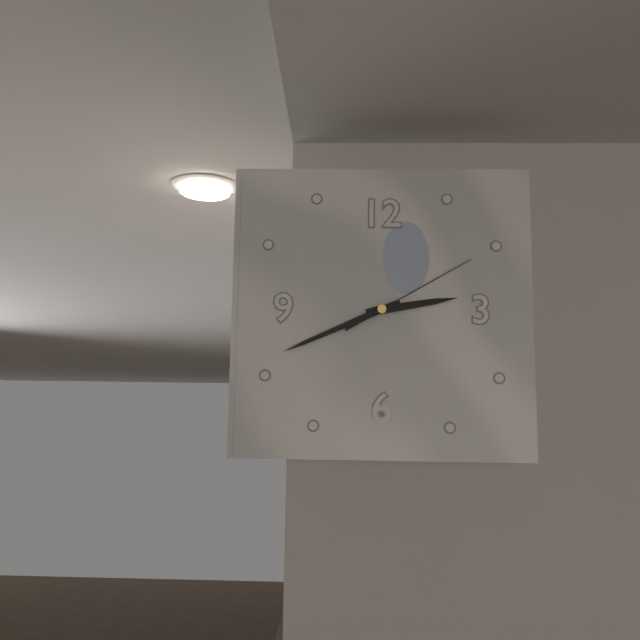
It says 2:41:10
